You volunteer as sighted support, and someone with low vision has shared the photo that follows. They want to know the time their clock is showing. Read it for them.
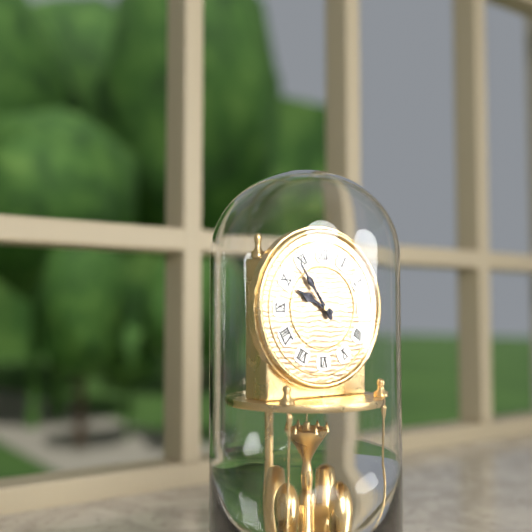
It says 9:54
